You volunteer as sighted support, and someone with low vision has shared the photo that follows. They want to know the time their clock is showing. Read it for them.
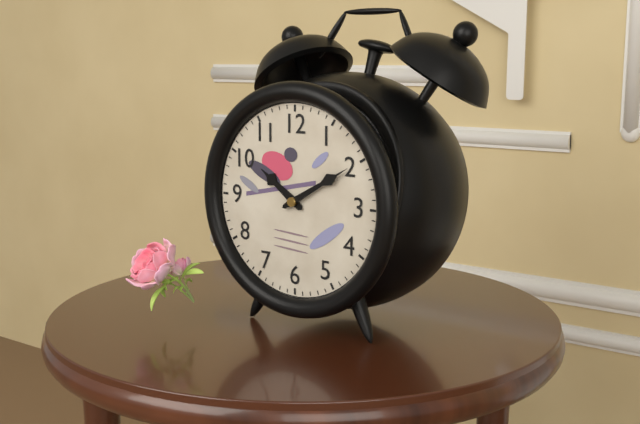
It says 10:10
